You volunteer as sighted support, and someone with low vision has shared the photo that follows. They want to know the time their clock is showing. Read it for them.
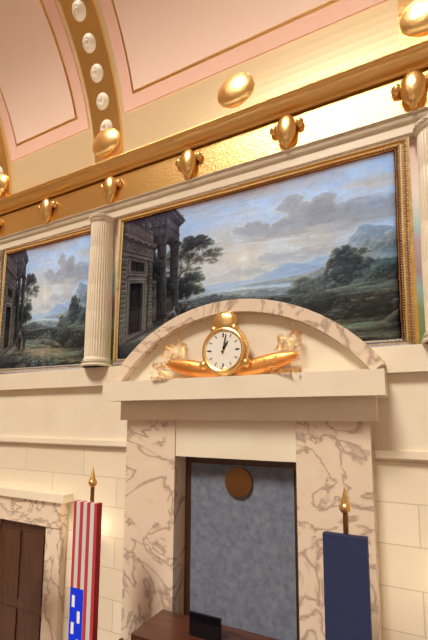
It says 1:02
